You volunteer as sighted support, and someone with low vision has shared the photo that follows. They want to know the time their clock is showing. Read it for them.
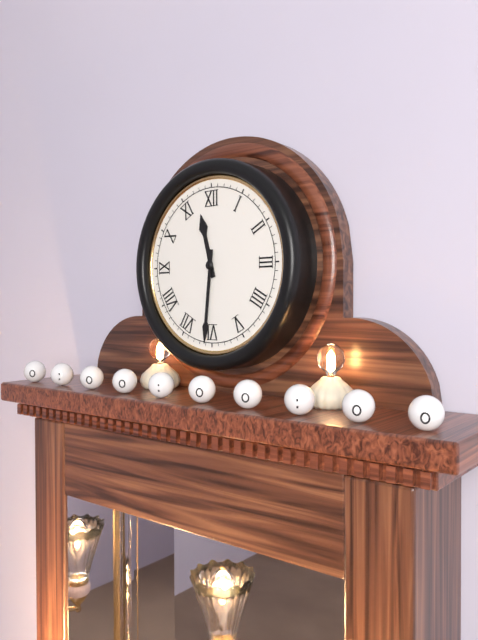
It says 11:31
